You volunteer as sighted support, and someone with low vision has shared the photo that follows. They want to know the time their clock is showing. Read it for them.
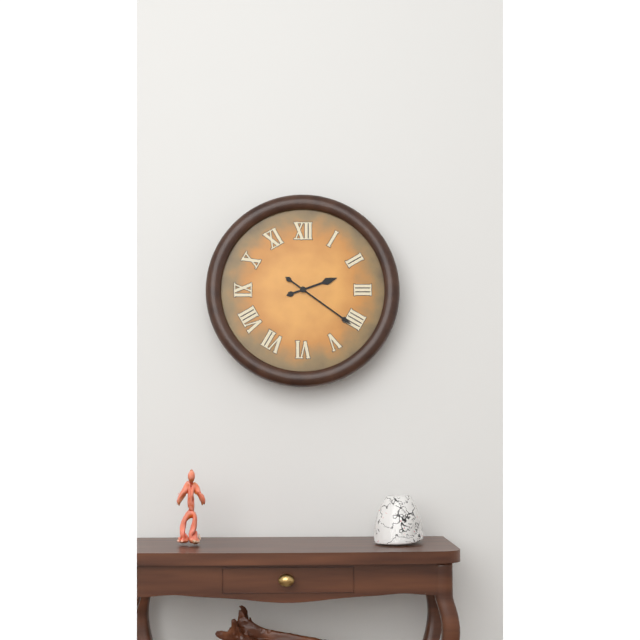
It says 2:21
